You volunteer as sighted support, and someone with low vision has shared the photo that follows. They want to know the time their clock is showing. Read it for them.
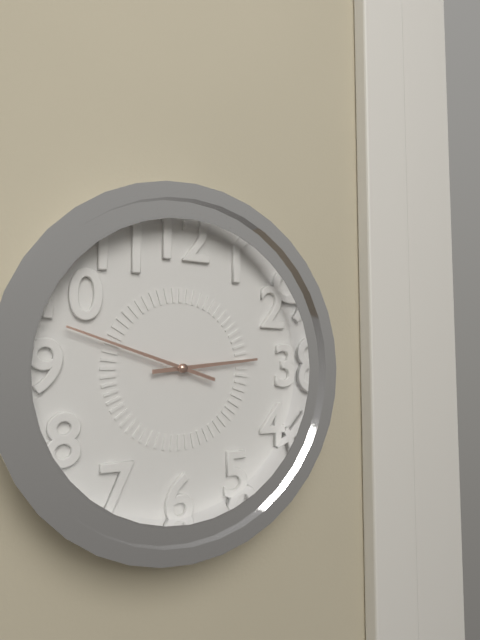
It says 2:48
